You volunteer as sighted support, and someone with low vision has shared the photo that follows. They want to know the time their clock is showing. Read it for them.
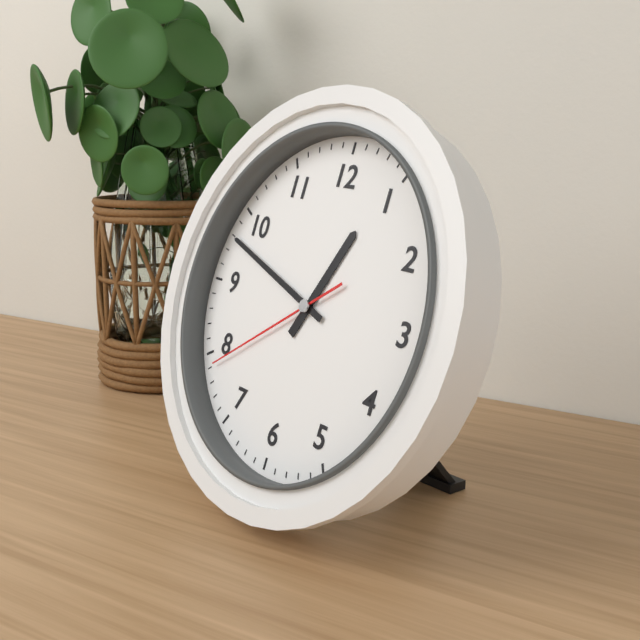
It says 12:48:39
